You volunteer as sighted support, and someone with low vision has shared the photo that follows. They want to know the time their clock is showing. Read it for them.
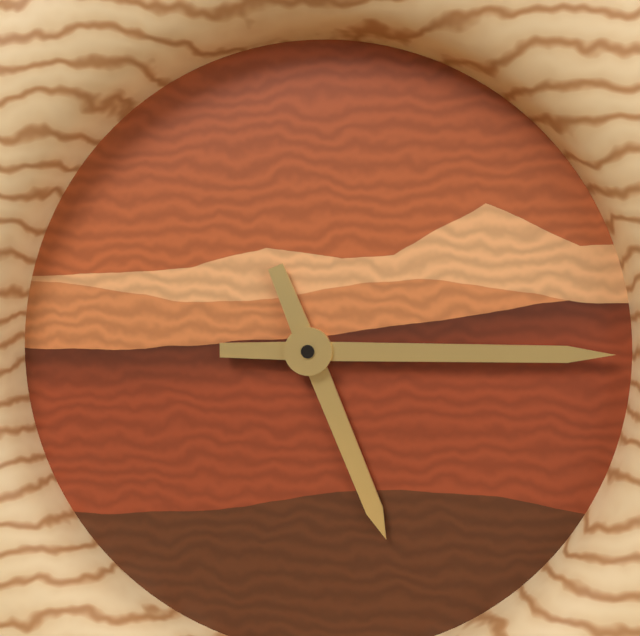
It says 5:15
